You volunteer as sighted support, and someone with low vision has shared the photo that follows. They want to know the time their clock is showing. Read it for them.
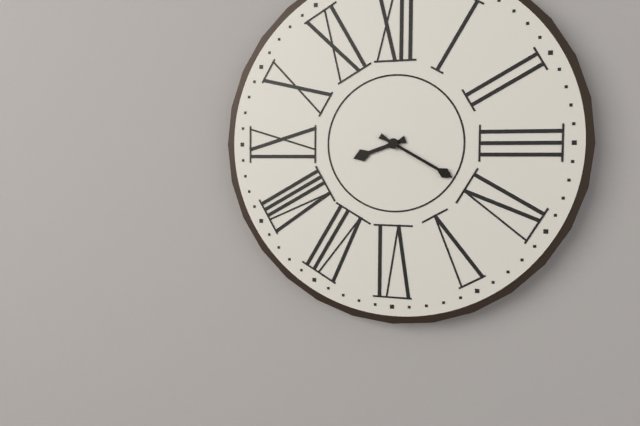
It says 8:20
